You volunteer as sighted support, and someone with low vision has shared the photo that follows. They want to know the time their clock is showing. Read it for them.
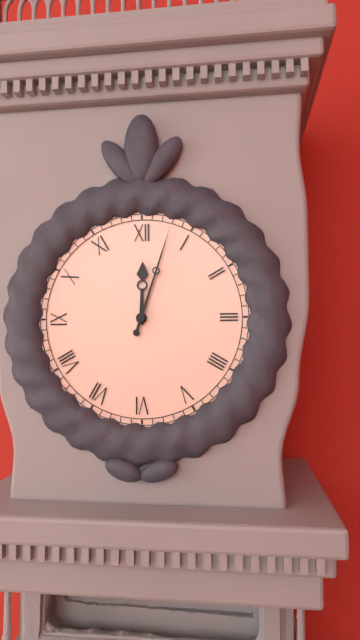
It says 12:03
